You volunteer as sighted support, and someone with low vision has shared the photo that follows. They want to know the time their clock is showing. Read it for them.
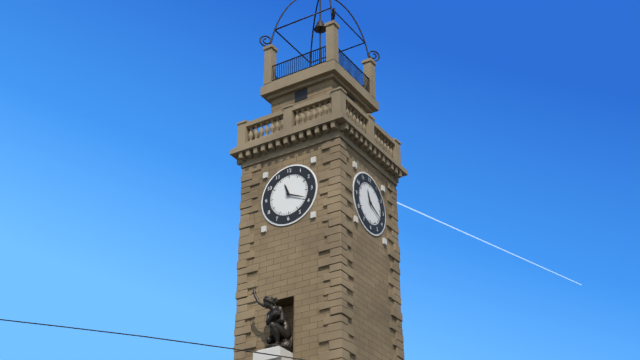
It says 11:19
